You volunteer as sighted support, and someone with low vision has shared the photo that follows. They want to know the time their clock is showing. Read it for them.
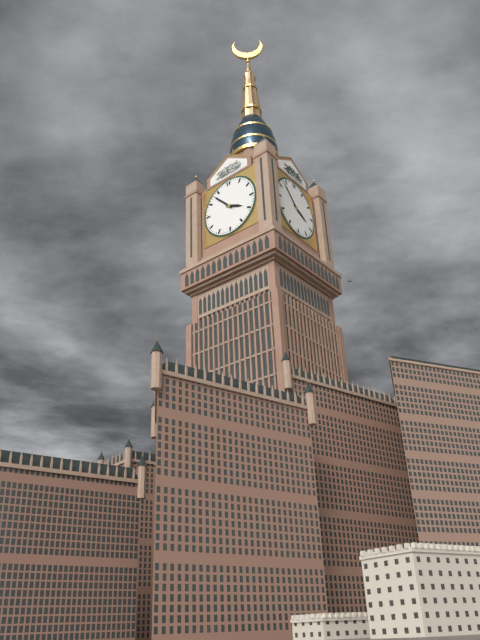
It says 3:53
